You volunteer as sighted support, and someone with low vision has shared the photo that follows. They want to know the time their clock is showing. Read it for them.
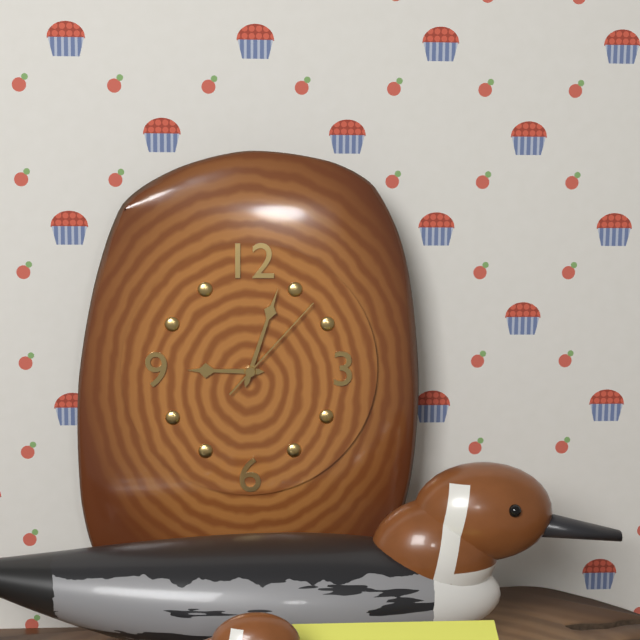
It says 9:03:07
